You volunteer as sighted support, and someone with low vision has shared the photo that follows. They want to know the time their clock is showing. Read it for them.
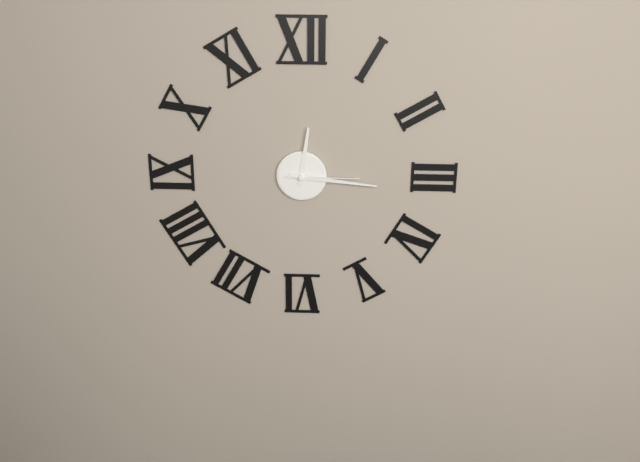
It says 12:16:15
